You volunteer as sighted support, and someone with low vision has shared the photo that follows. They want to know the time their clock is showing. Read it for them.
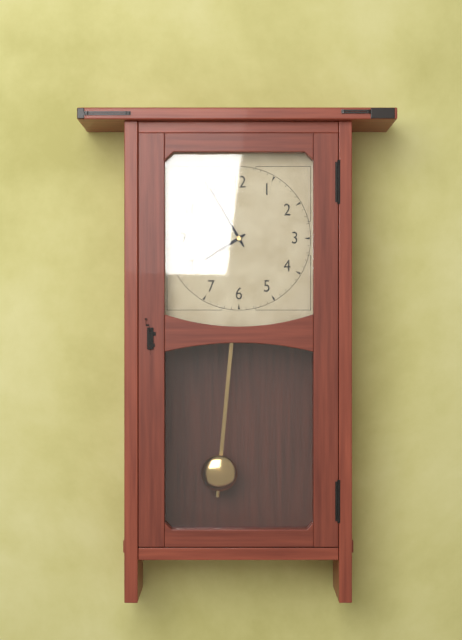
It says 7:55
